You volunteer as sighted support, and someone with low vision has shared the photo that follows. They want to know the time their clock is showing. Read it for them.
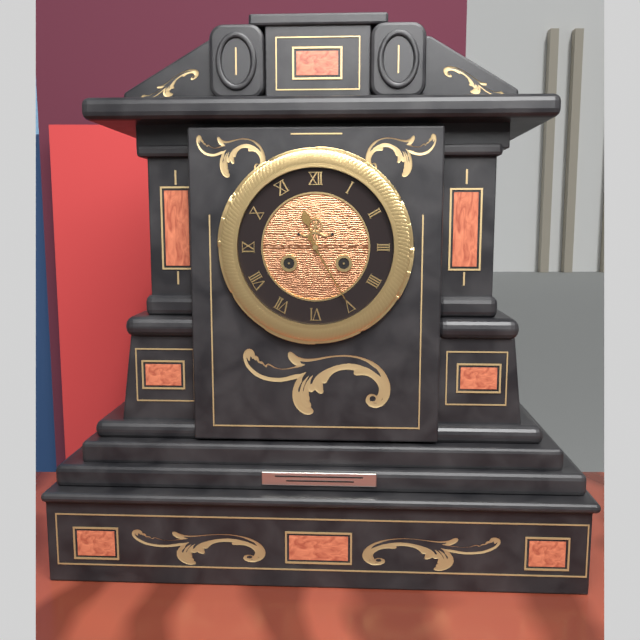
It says 11:25
